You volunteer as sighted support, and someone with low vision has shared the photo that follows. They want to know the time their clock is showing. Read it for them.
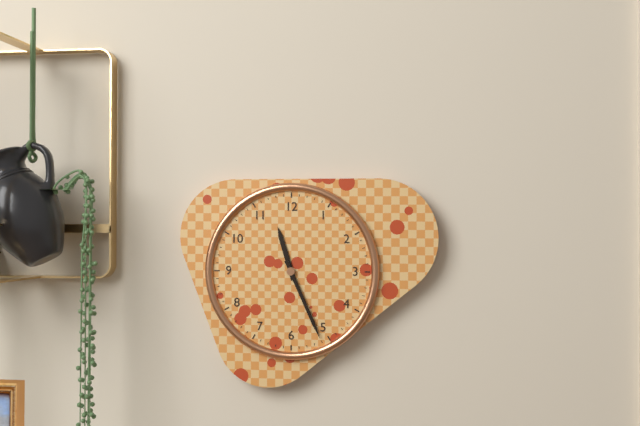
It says 11:26
